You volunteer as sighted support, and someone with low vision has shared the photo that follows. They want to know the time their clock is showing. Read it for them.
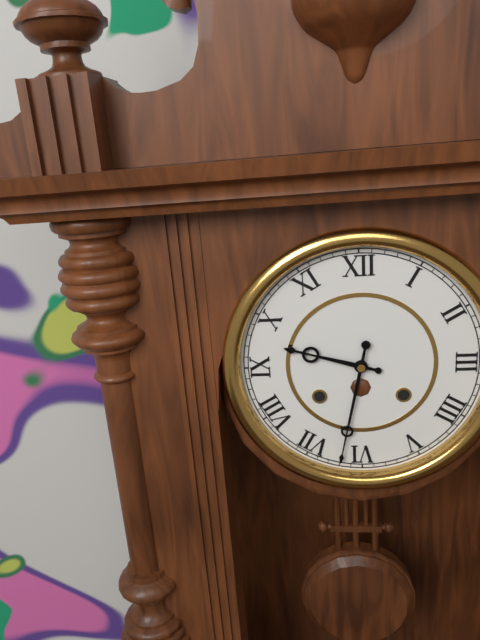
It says 9:32
